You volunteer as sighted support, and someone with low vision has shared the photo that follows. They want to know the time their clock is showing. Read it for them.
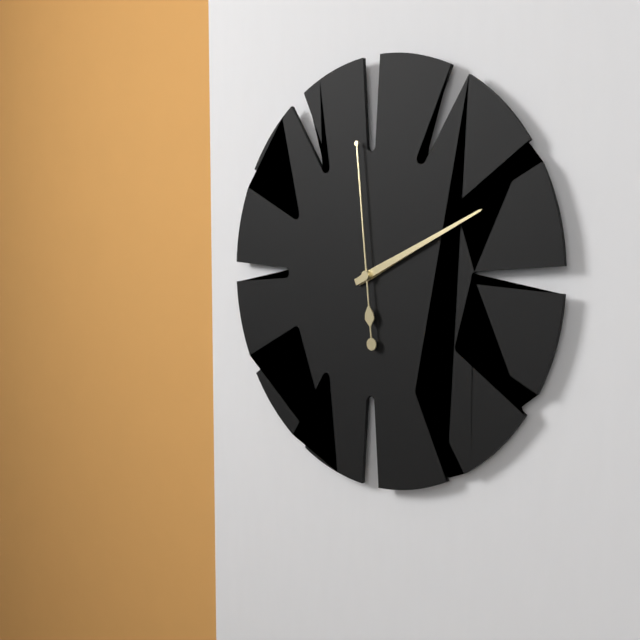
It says 2:11:59
